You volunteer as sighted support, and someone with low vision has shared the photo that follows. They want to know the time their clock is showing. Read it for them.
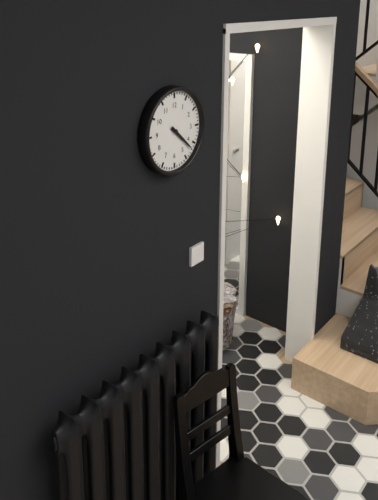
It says 4:22
